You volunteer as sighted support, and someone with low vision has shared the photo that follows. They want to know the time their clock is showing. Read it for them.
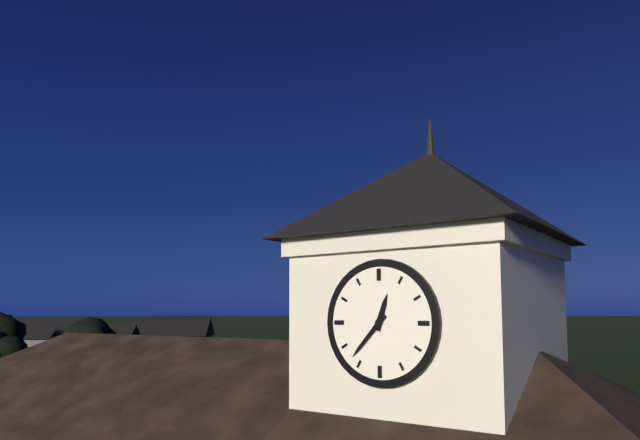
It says 12:37
